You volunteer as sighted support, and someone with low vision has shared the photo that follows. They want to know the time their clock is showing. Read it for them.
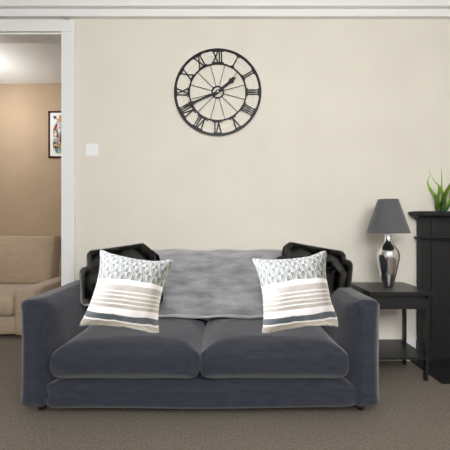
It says 1:41
